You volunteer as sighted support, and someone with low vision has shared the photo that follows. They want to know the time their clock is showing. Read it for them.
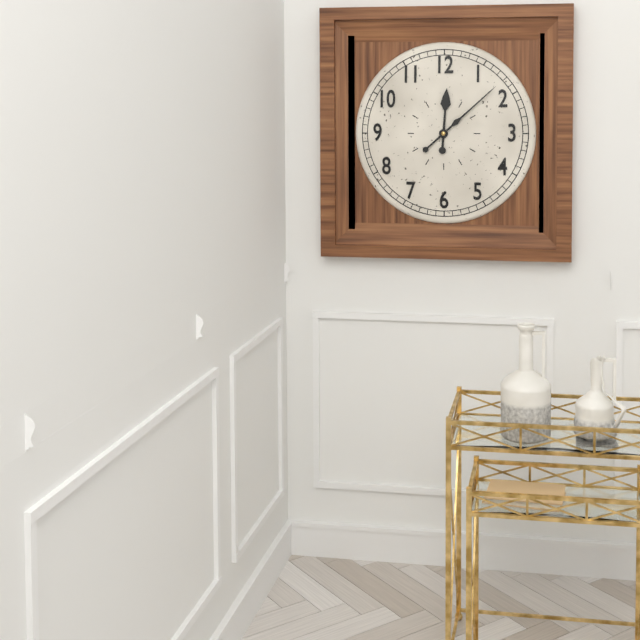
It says 12:08
